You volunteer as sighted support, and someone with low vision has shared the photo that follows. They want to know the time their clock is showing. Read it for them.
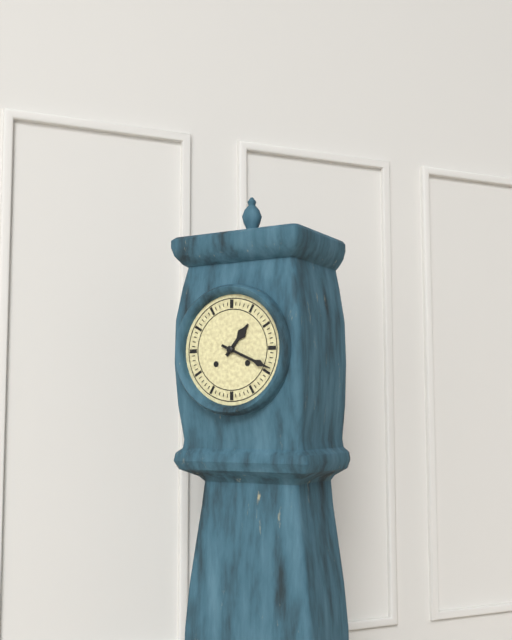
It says 1:19
